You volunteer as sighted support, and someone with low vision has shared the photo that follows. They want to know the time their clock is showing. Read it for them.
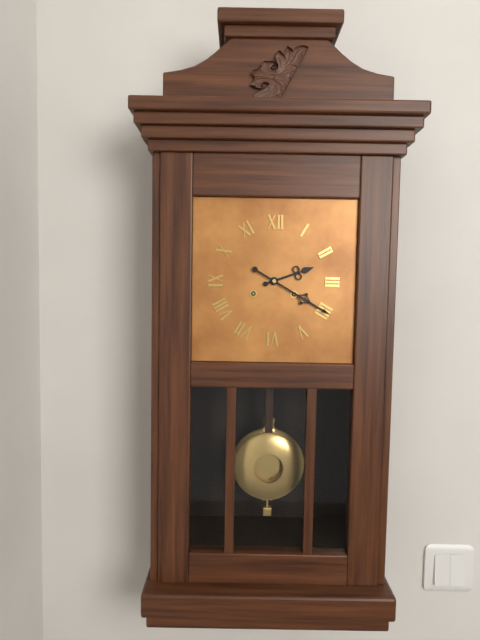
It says 2:20
